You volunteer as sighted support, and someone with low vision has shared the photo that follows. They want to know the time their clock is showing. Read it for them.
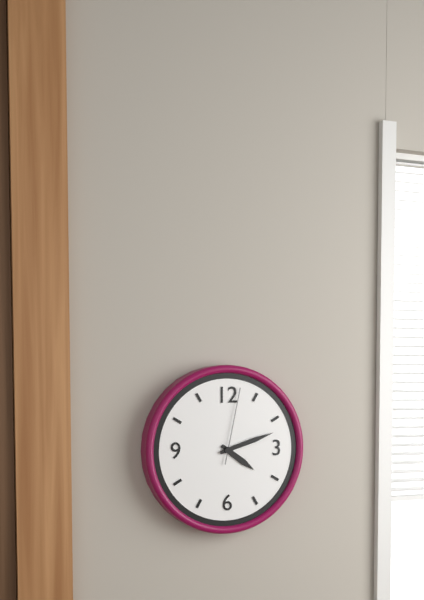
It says 4:12:02
